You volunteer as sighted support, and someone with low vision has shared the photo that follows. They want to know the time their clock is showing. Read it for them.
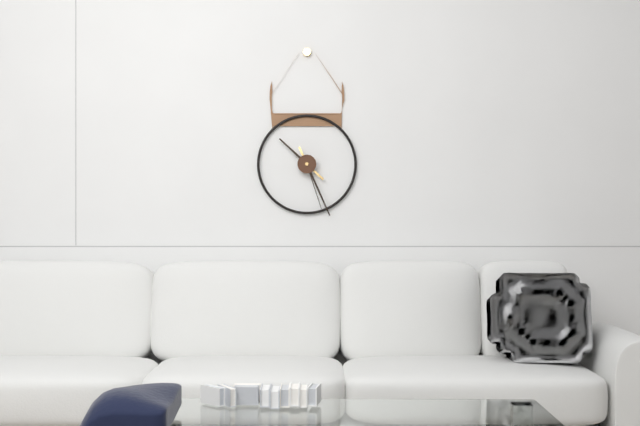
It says 10:26:27
